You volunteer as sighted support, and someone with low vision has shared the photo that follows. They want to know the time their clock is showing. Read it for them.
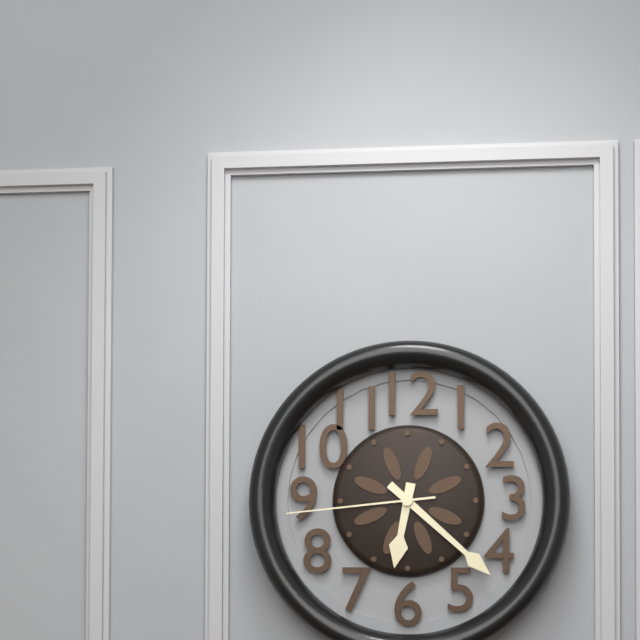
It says 6:22:44
